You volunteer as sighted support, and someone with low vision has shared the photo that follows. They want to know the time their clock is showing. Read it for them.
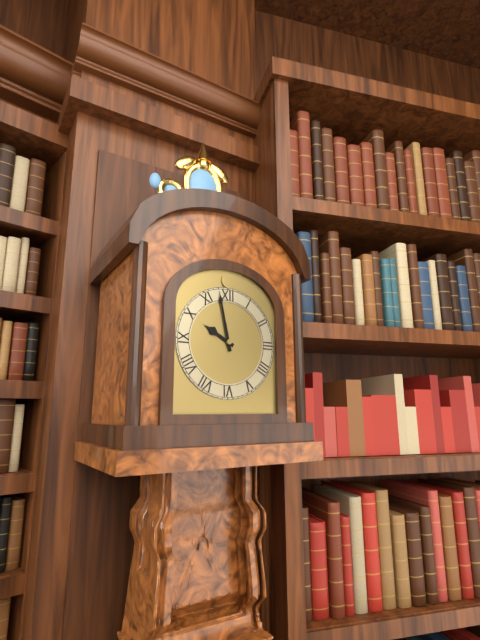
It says 9:58
